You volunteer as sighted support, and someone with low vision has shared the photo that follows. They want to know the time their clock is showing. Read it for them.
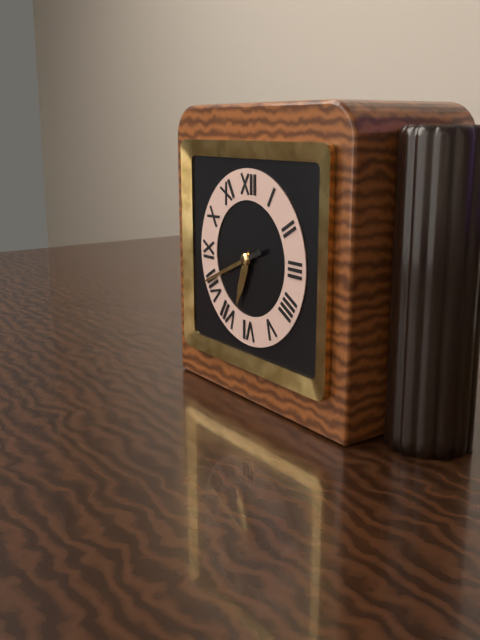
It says 6:41
